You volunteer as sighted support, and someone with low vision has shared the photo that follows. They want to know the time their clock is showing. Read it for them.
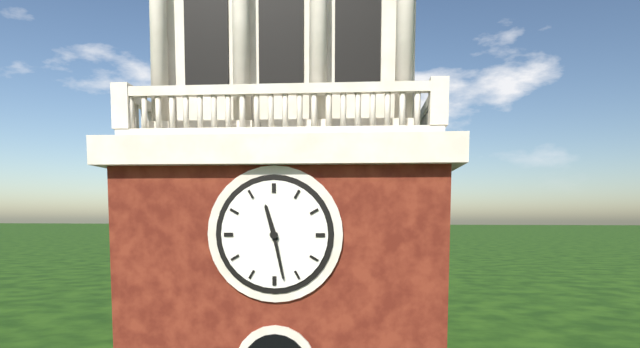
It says 11:28
